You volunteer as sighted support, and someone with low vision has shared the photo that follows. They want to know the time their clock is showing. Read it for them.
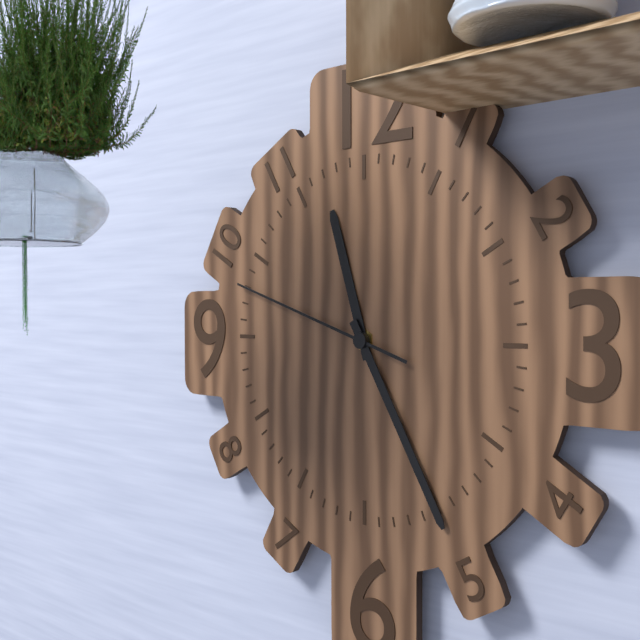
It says 11:25:48
